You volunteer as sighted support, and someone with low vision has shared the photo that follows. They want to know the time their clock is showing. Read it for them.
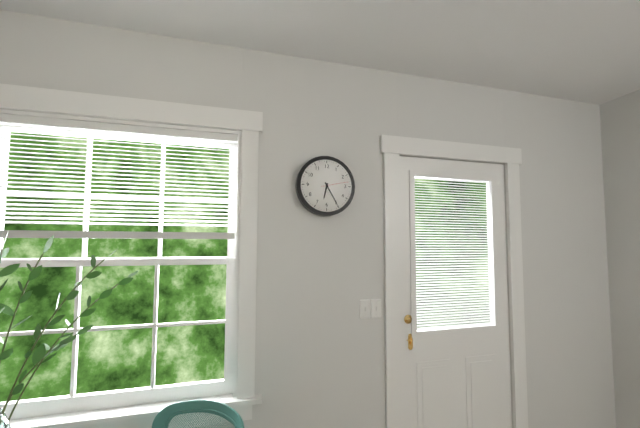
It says 6:25
